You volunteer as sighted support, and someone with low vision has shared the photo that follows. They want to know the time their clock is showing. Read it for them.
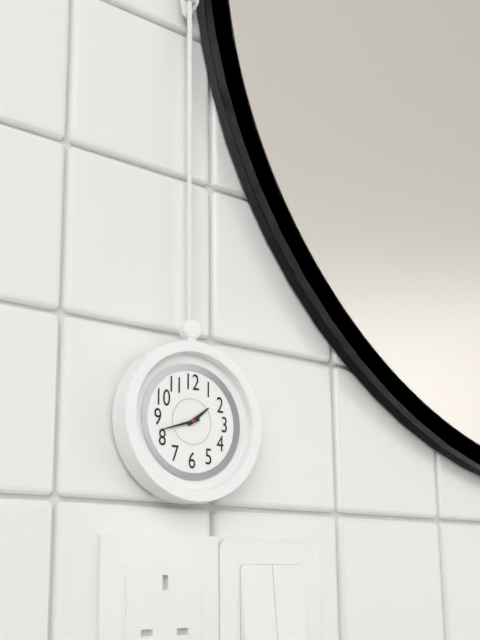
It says 1:42
